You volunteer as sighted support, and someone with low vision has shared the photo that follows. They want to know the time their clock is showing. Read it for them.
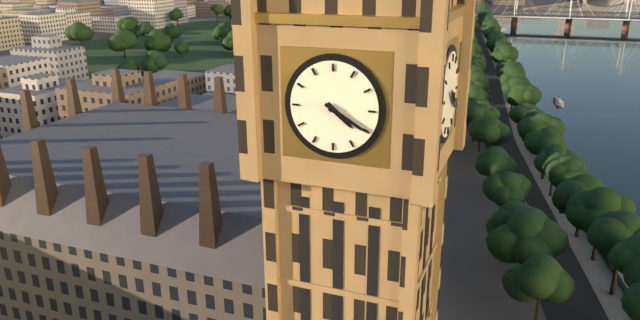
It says 4:20
